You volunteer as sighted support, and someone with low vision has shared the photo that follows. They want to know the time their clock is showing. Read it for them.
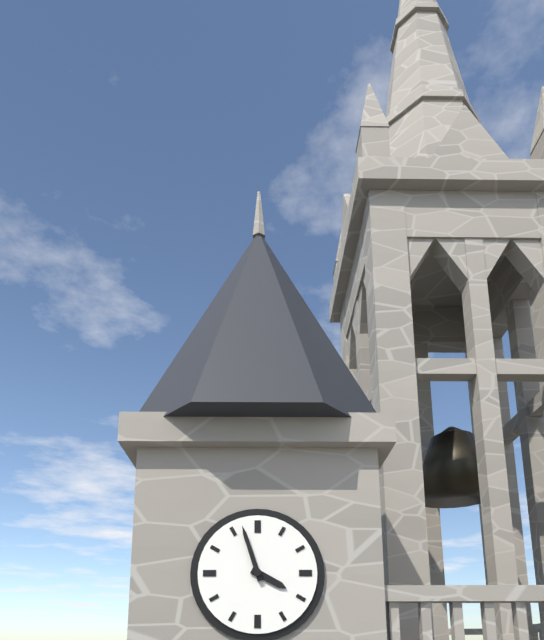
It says 3:57
